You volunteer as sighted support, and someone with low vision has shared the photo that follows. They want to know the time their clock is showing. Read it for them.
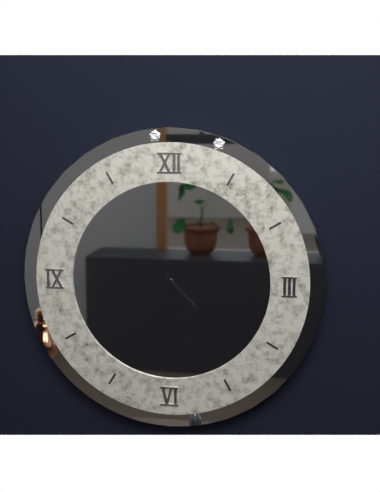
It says 4:27
